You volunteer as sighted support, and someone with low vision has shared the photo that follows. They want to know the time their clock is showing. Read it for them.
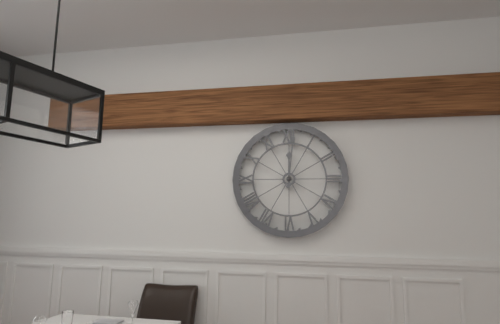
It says 12:01
